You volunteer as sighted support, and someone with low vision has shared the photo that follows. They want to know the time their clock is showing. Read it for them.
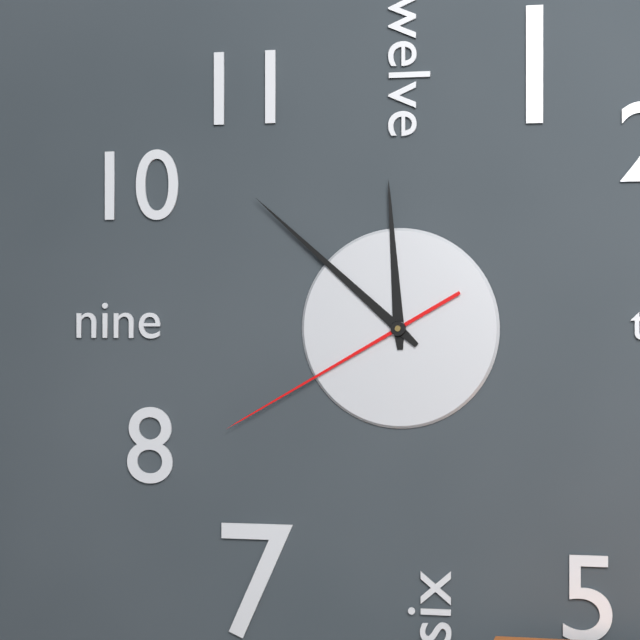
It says 11:52:40
